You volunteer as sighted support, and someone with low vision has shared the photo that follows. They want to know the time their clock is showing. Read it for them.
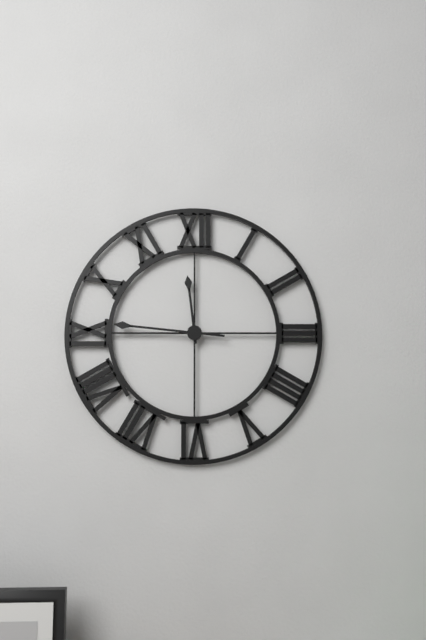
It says 11:46
